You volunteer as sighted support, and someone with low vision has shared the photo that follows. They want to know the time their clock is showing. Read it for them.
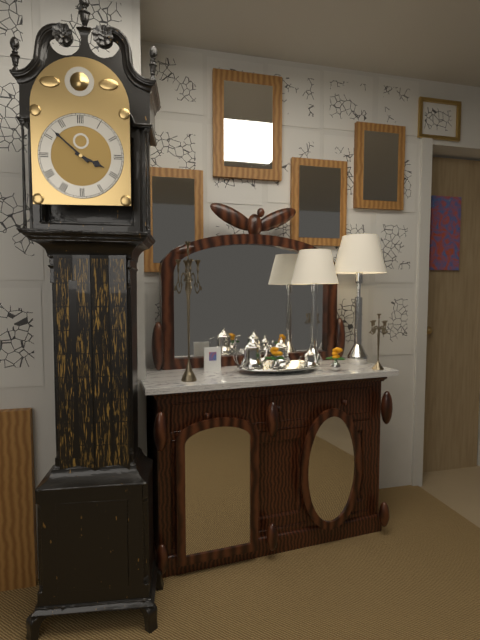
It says 3:52
